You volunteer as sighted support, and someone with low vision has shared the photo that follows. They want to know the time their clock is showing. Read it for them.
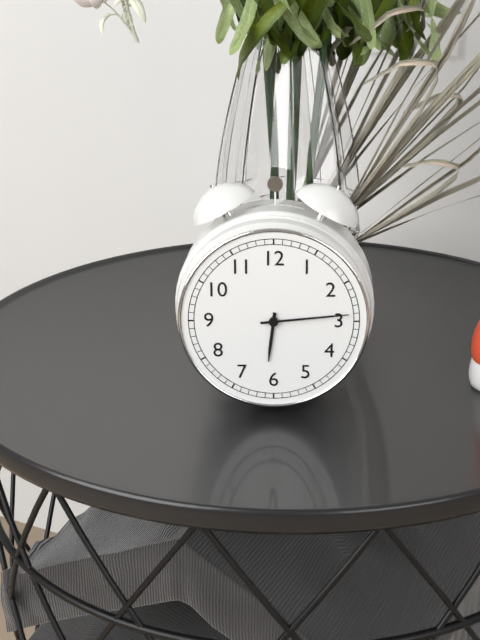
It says 6:14
